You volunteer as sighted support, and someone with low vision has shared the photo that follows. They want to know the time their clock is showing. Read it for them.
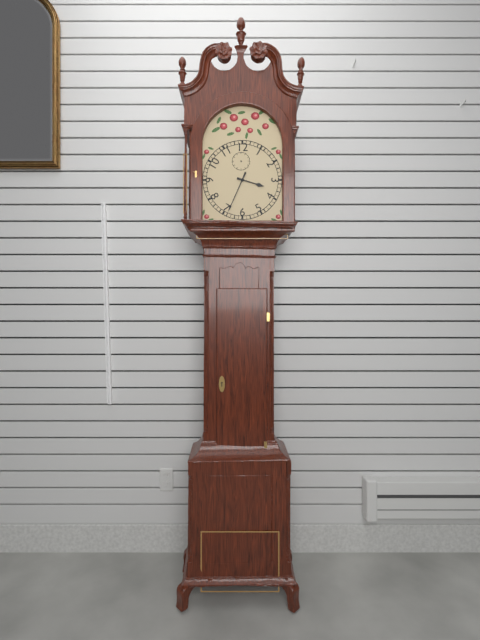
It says 3:34
